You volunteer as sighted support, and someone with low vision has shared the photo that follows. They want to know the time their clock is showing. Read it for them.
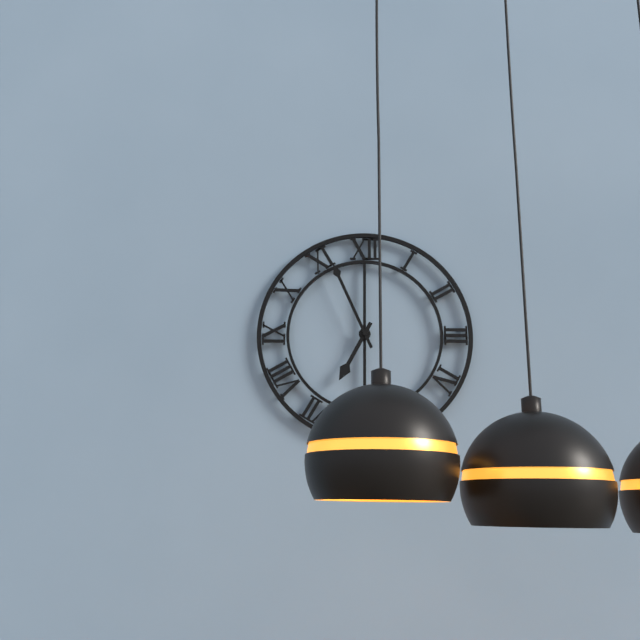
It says 6:56
